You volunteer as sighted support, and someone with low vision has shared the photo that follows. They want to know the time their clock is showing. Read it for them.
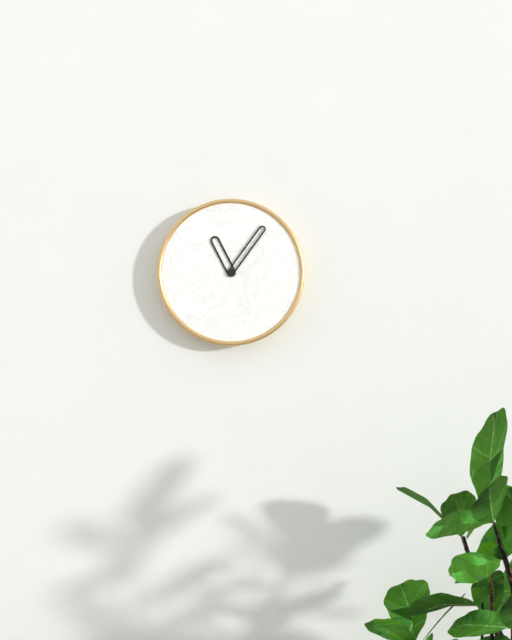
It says 11:06
